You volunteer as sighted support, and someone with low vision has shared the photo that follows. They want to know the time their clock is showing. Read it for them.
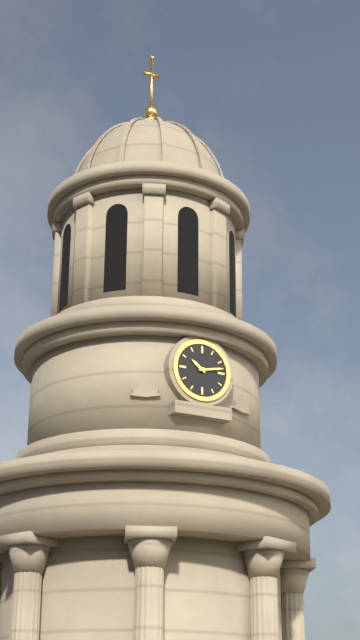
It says 10:13
